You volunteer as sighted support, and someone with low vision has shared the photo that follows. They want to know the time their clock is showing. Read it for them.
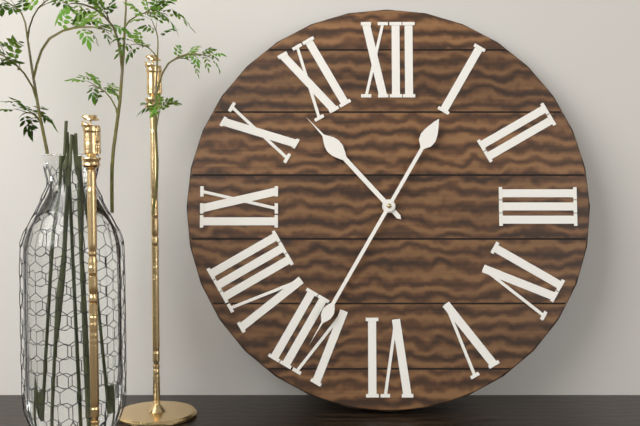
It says 10:35
